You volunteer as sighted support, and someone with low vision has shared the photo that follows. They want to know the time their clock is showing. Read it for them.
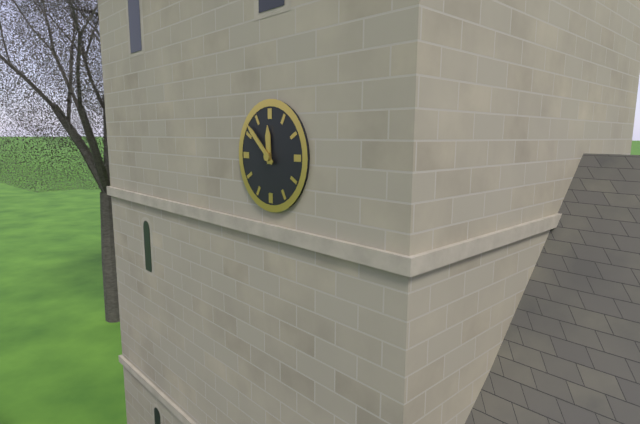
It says 11:52
